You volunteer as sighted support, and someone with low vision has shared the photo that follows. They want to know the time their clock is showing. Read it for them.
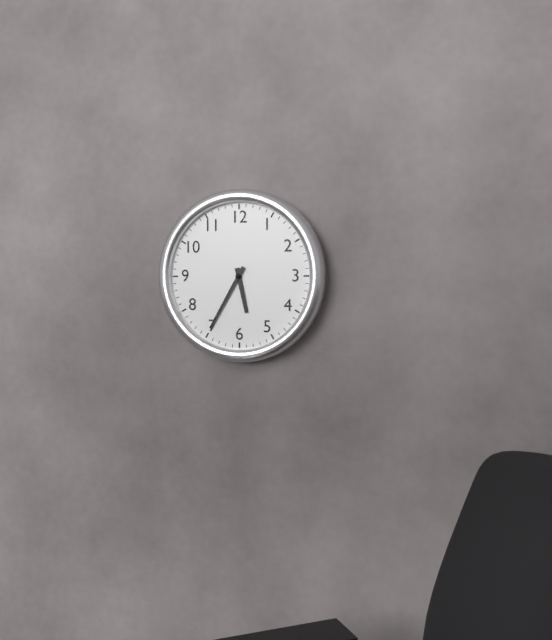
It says 5:35
